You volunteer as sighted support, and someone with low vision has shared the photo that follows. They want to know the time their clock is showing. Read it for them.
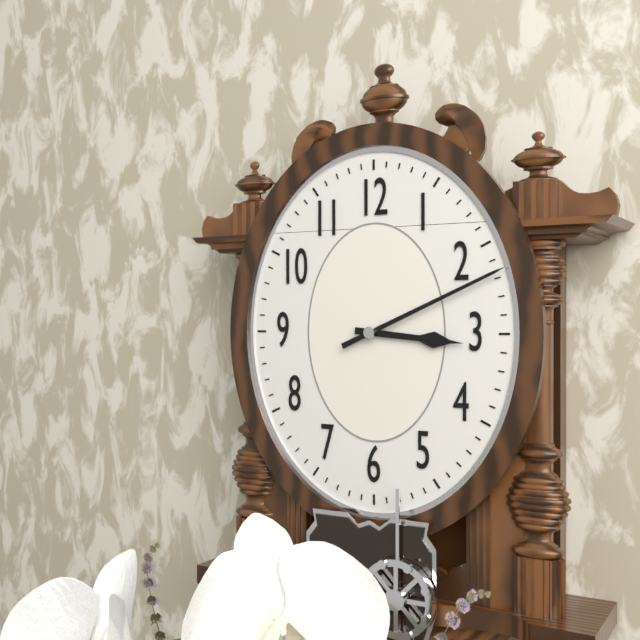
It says 3:11
